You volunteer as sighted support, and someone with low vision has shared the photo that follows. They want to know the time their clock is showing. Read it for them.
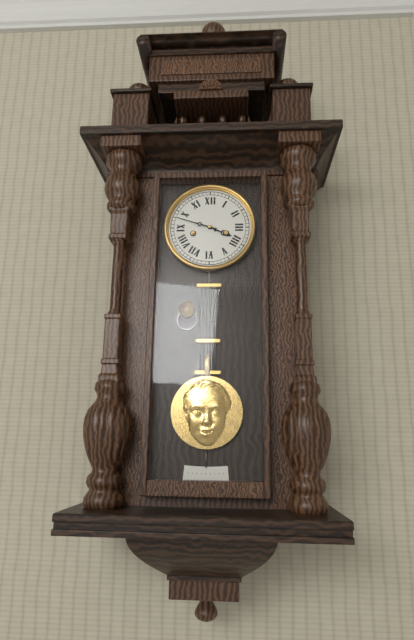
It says 3:48
